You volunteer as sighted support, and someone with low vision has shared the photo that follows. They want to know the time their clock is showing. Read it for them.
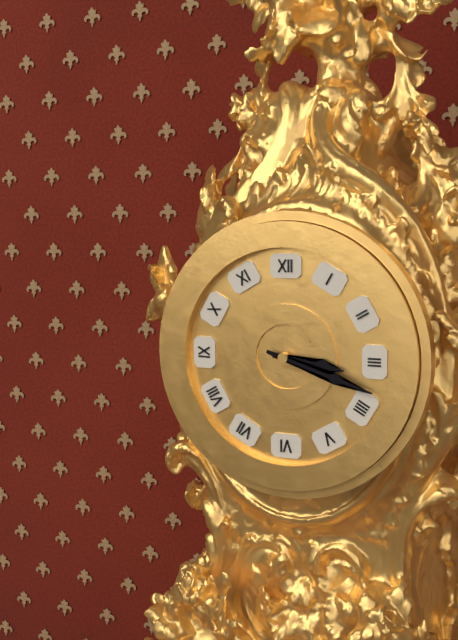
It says 3:18
